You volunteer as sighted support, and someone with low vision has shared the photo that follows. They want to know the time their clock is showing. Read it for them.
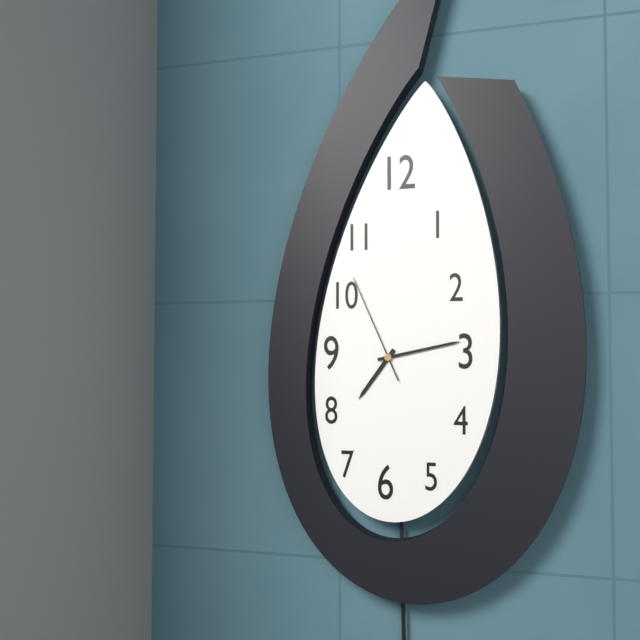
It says 7:13:56
